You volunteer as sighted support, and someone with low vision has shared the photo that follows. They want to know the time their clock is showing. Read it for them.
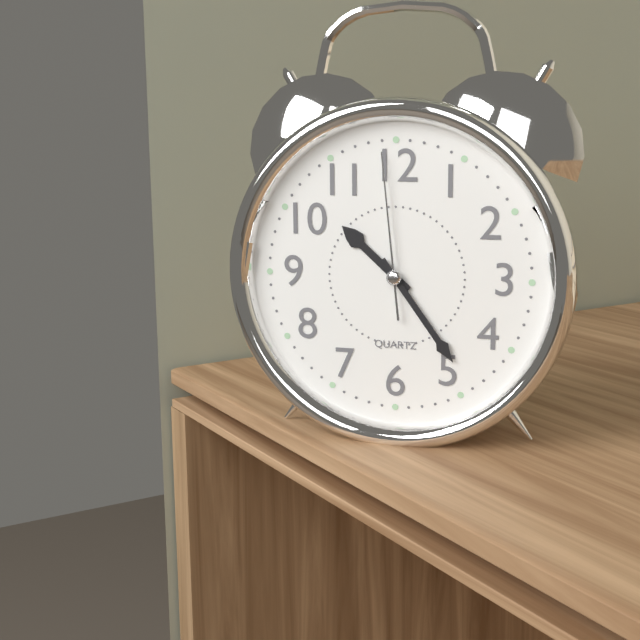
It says 10:24:59
